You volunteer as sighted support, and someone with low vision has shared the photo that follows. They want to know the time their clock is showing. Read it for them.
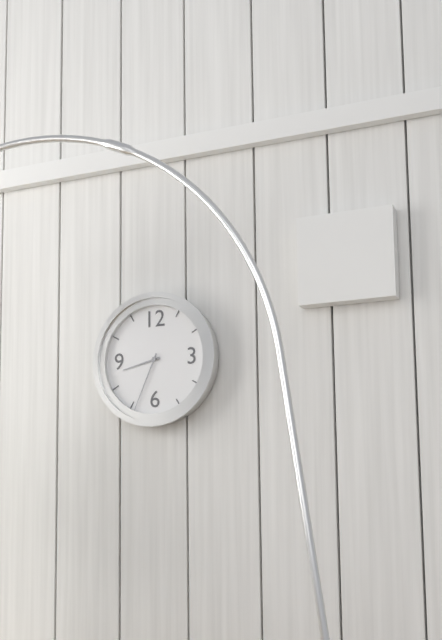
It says 8:34
